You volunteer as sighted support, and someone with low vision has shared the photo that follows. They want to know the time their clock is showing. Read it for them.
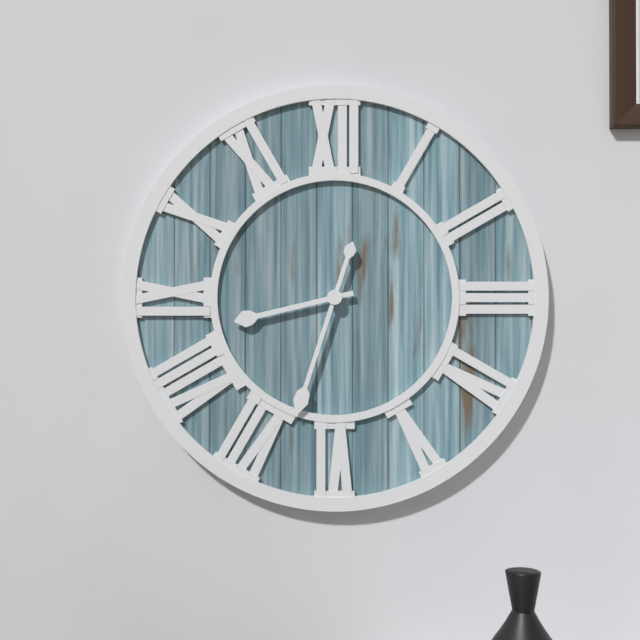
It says 8:33
